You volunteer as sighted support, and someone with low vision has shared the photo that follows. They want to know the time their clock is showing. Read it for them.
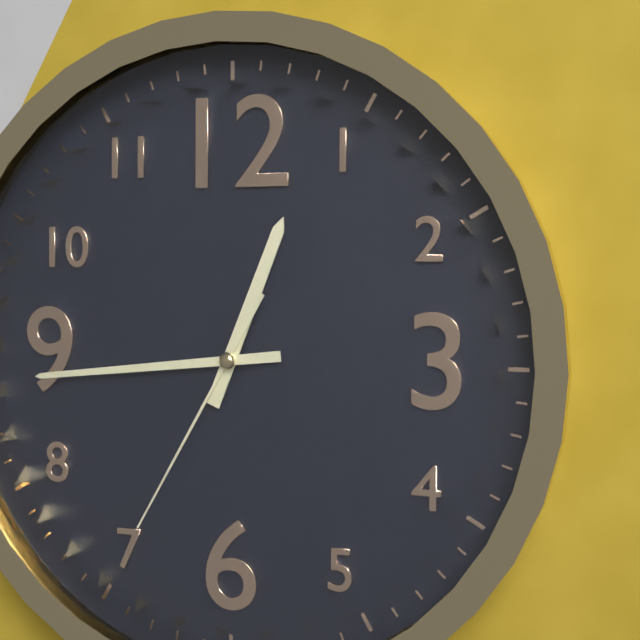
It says 12:44:35
